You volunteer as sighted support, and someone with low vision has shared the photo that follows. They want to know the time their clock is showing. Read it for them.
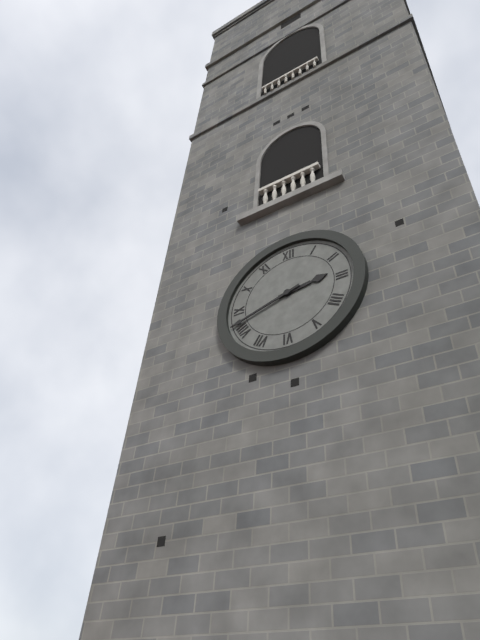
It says 2:42
